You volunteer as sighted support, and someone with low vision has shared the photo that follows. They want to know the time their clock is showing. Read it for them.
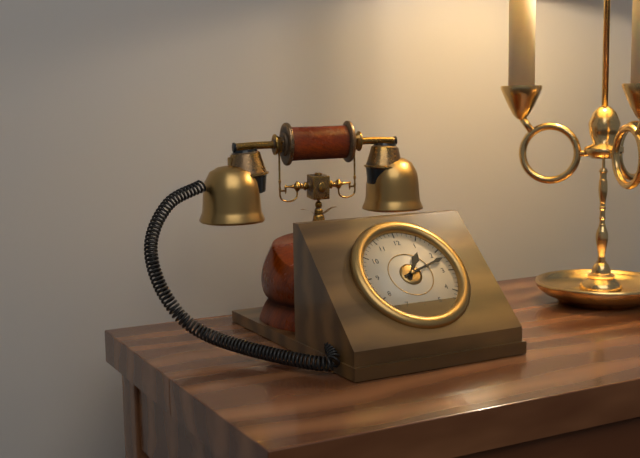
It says 1:12
